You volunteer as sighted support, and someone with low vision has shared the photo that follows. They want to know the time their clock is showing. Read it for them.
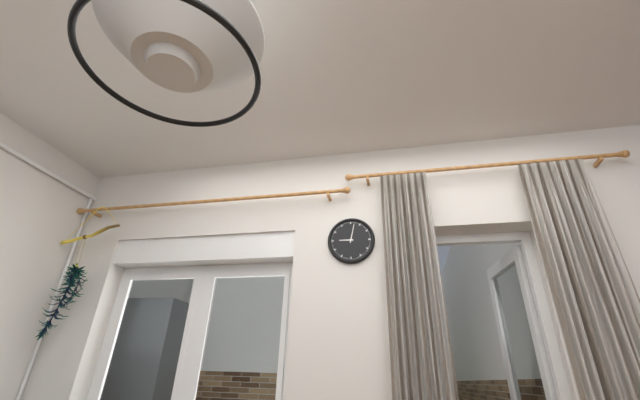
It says 9:02
